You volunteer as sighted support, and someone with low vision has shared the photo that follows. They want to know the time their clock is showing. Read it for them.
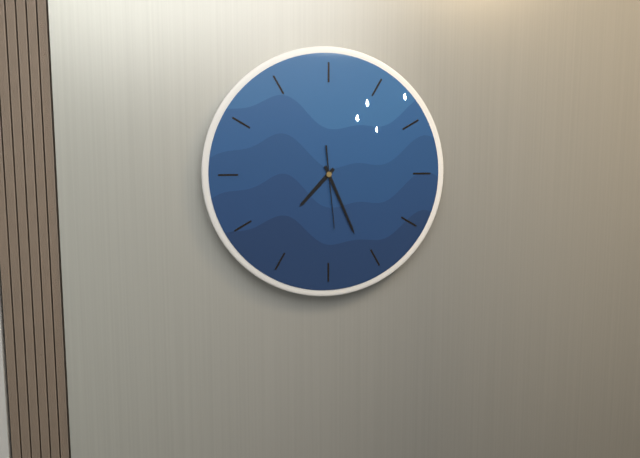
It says 7:26:29
